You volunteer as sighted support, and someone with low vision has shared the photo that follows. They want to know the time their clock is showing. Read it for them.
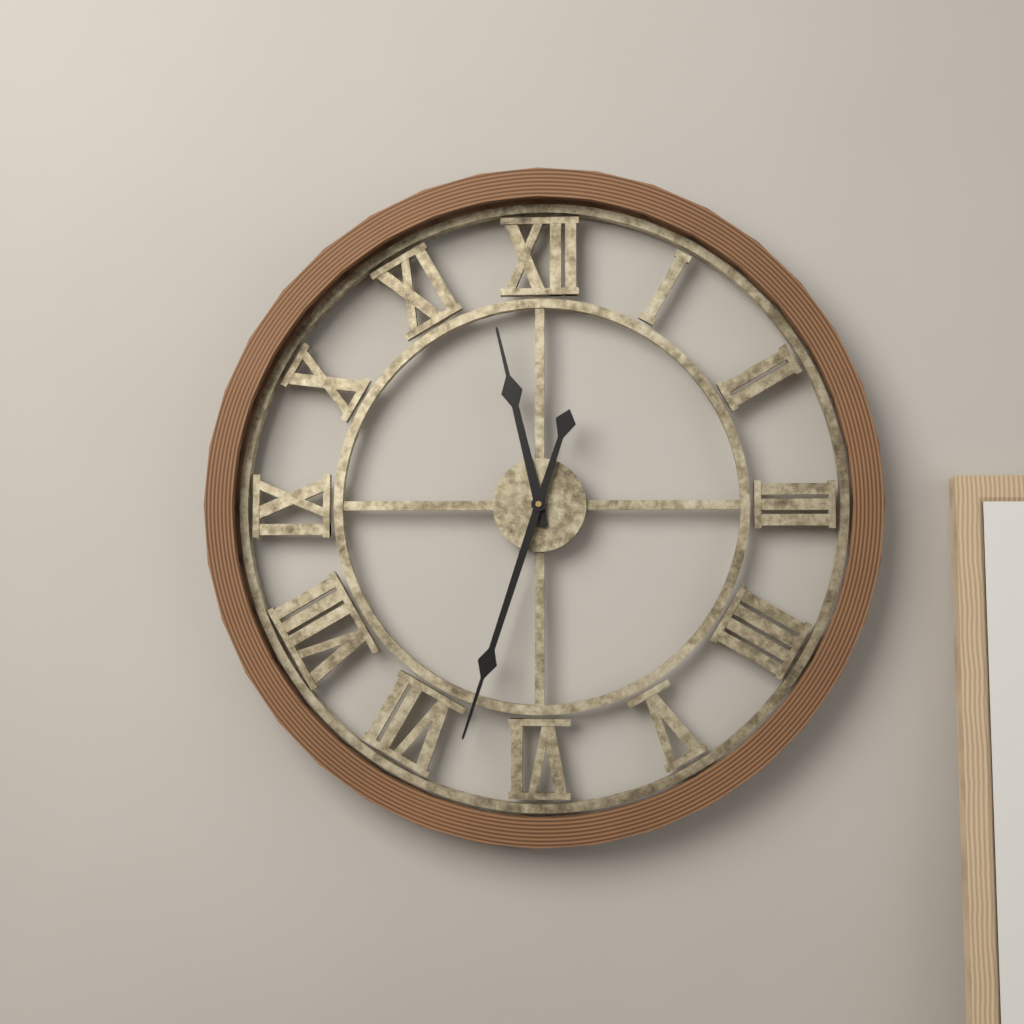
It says 11:33
